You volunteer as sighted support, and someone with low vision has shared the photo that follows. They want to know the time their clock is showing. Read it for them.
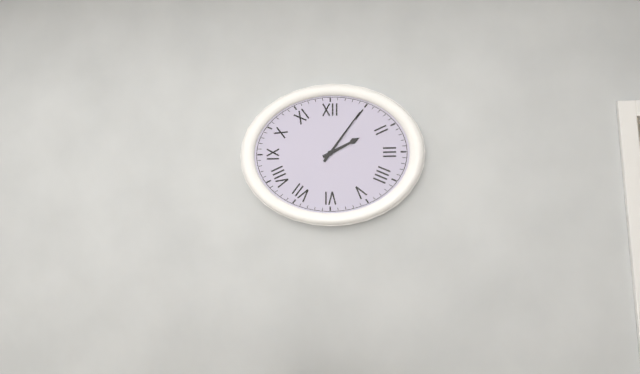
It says 2:06
